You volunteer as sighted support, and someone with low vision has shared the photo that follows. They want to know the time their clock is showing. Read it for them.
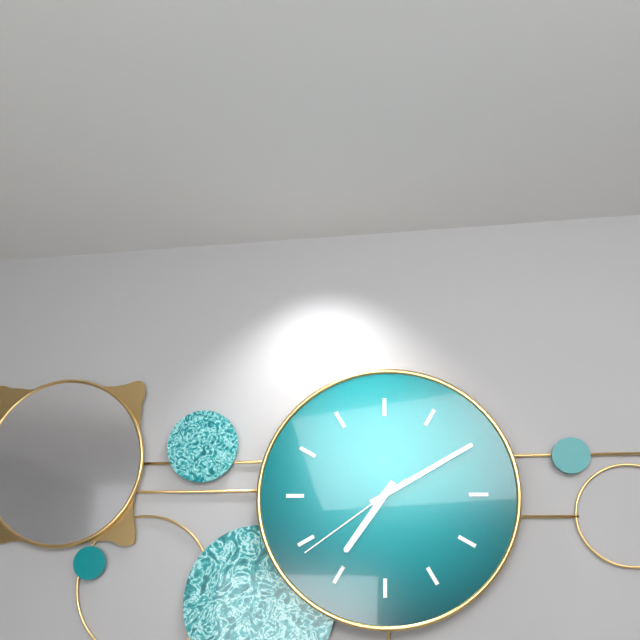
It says 7:10:39
